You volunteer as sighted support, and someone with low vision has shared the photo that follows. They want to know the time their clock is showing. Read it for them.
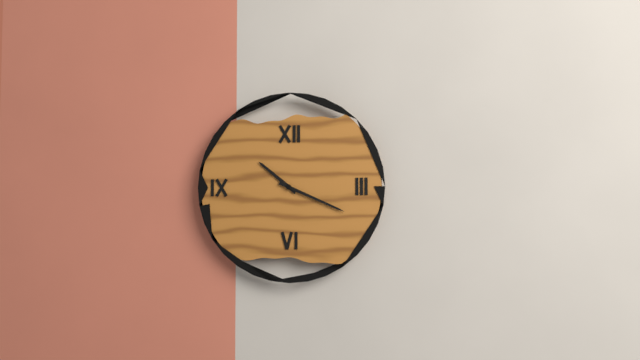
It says 10:19
